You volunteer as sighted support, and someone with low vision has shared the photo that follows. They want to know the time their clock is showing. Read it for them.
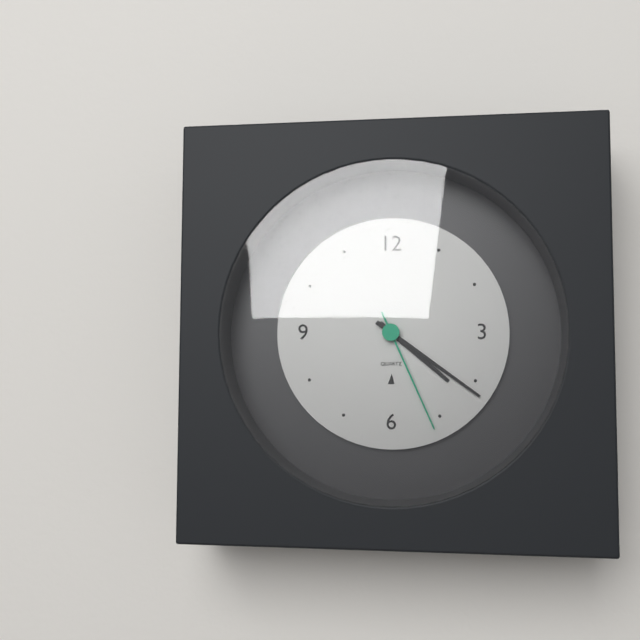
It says 4:21:26
